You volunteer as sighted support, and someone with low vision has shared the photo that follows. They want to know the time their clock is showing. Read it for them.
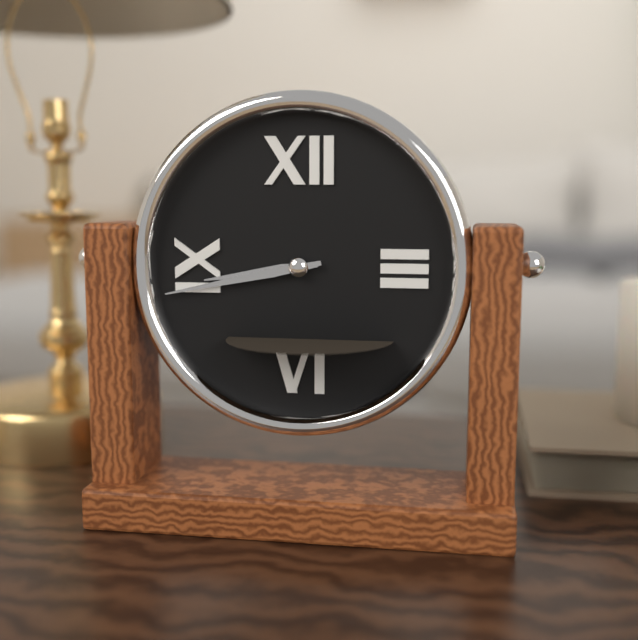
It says 8:43
